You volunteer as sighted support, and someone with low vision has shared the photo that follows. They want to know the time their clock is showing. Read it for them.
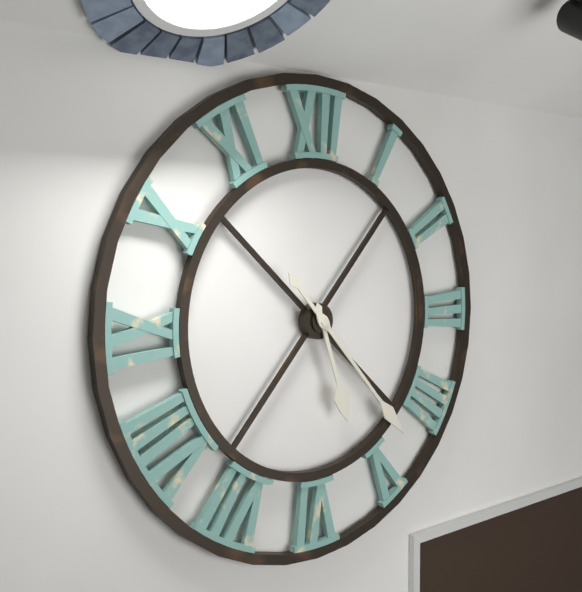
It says 5:23
